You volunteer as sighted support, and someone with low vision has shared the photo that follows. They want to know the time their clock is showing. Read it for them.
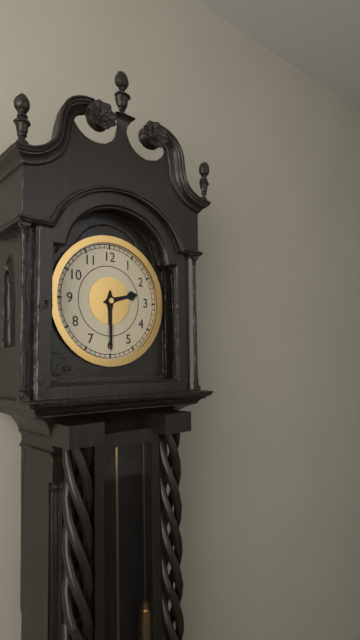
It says 2:30
